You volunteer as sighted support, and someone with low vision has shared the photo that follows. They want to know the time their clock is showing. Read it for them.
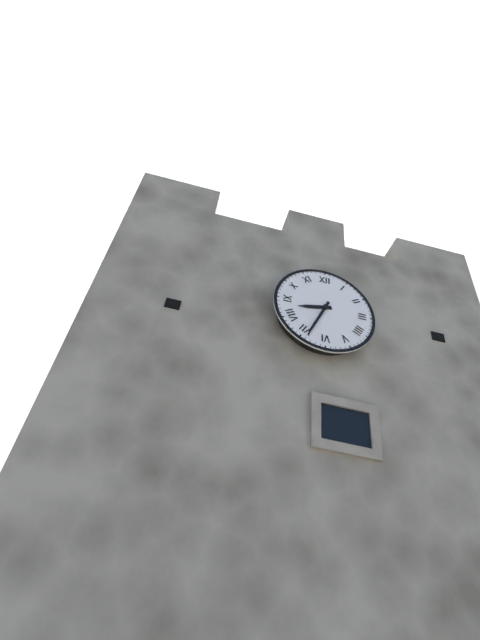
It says 8:34
